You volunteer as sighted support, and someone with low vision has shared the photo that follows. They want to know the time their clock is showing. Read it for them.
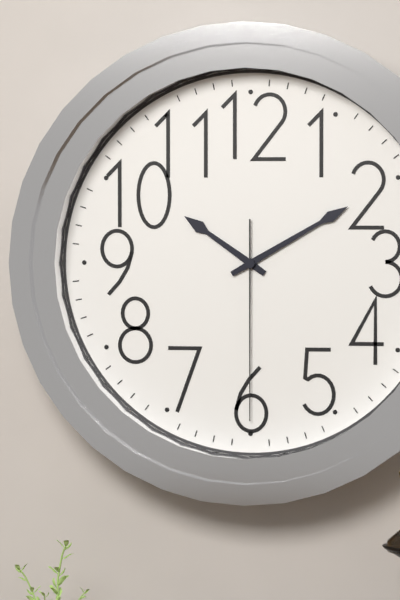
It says 10:10:30
